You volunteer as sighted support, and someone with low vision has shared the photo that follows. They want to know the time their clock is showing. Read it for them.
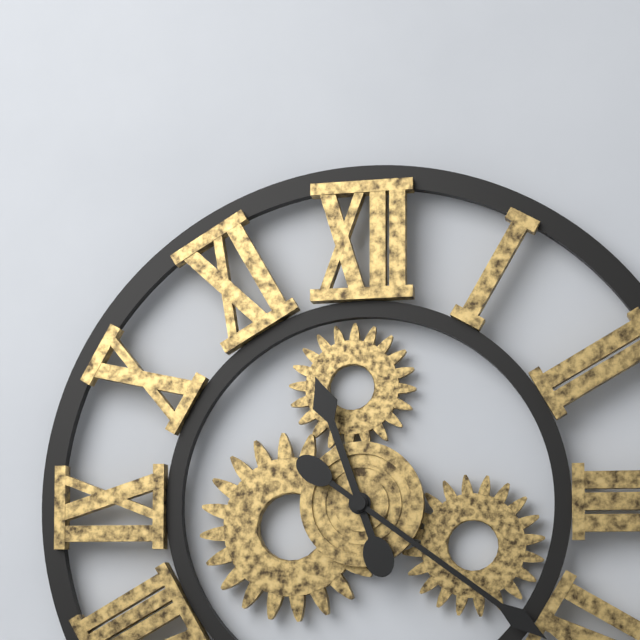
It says 11:21
